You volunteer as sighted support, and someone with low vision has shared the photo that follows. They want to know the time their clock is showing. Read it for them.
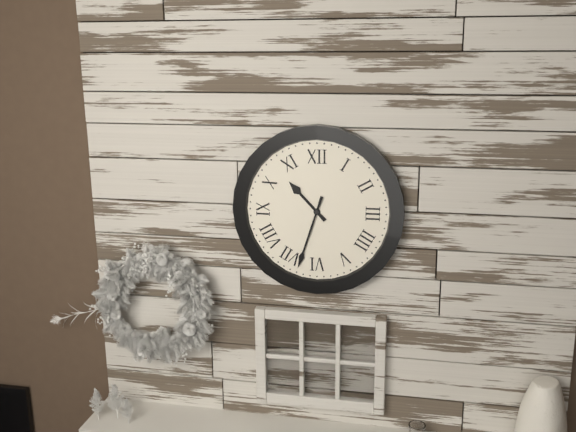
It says 10:33
